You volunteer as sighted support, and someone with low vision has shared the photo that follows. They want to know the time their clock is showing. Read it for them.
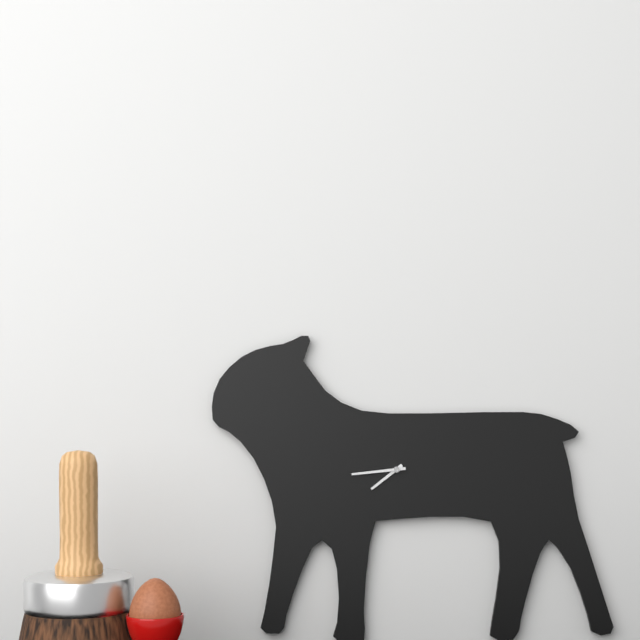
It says 7:44
